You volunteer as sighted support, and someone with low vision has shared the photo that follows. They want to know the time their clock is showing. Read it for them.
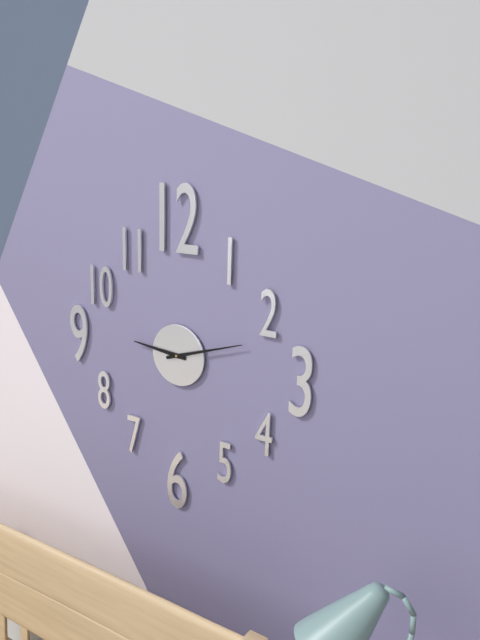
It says 9:12
